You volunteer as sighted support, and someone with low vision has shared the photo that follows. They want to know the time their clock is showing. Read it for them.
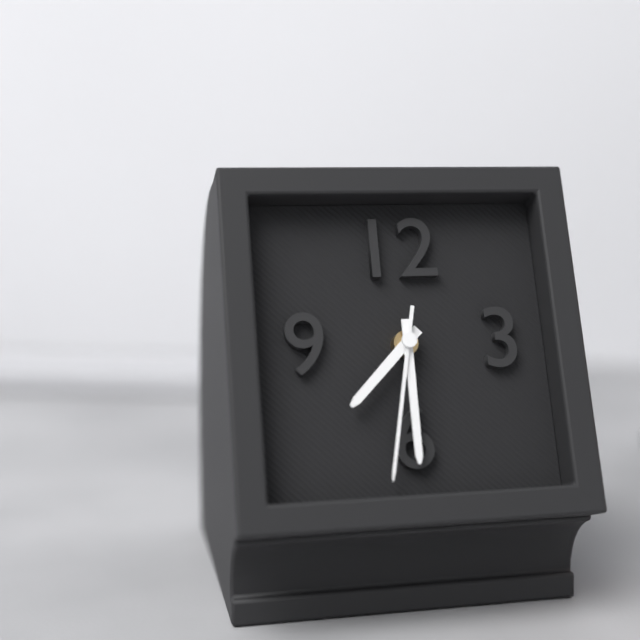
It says 7:30:32
